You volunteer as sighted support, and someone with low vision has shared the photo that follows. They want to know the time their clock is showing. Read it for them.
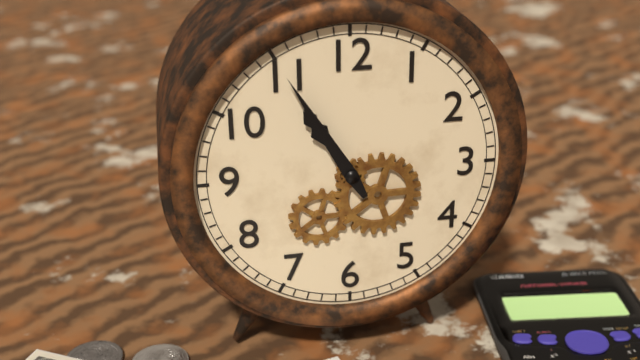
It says 10:55
